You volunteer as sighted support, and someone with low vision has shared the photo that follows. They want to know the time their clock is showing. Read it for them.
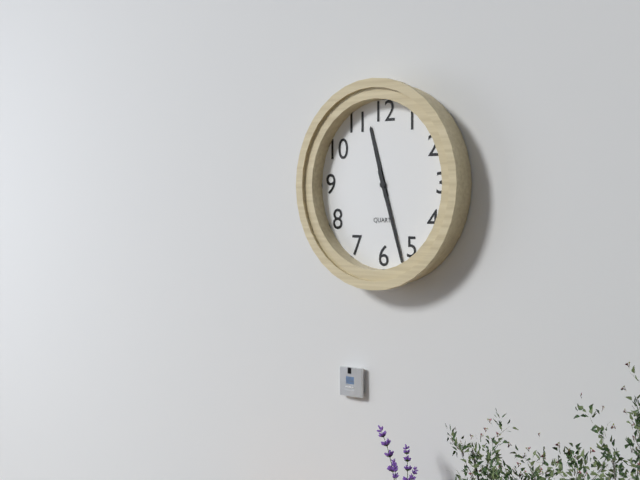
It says 11:27
